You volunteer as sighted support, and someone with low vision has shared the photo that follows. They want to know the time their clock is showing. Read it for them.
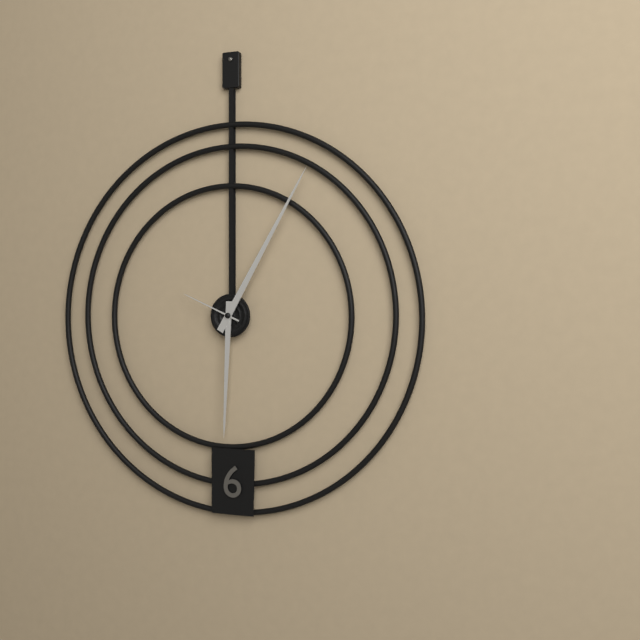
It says 6:05:49
